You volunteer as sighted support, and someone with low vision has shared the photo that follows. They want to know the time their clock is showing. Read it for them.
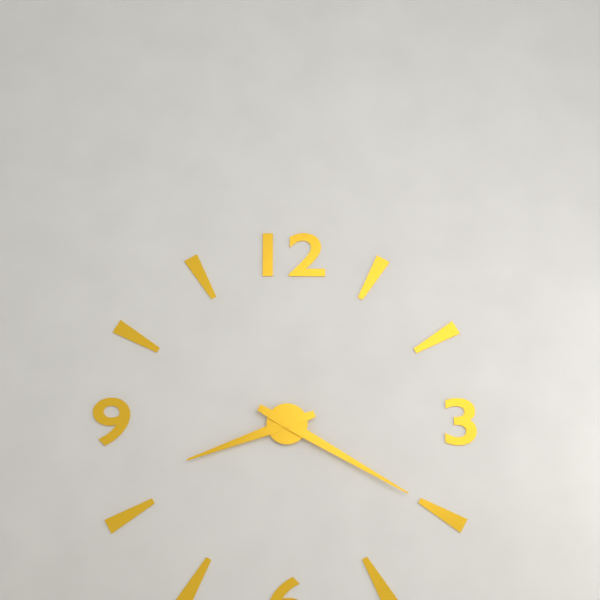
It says 8:20
